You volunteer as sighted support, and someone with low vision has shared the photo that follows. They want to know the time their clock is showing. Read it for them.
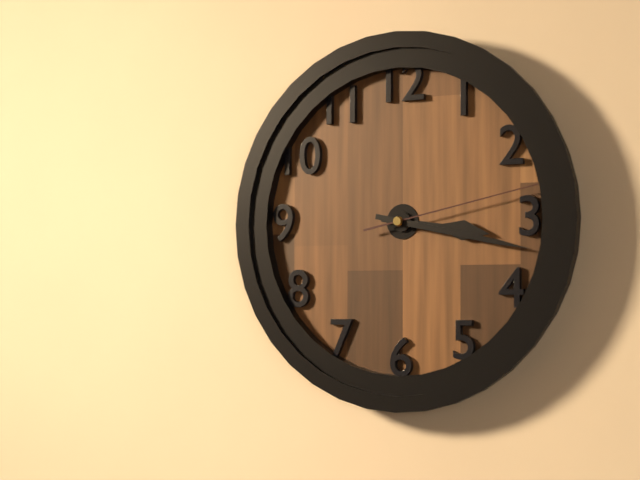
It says 3:17:13
